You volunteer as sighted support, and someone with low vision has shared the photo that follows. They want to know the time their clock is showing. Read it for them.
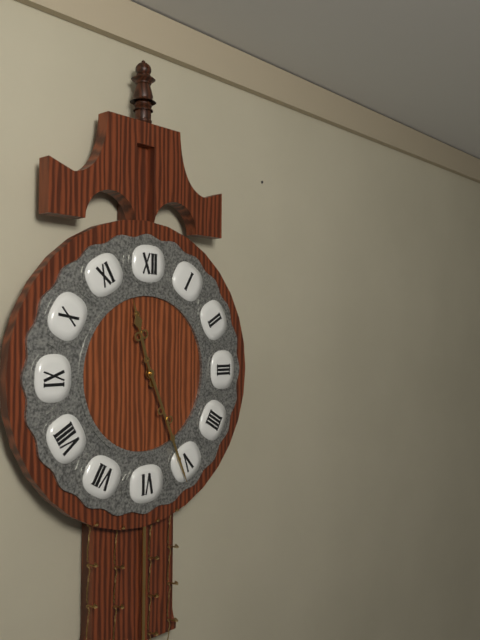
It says 11:26
